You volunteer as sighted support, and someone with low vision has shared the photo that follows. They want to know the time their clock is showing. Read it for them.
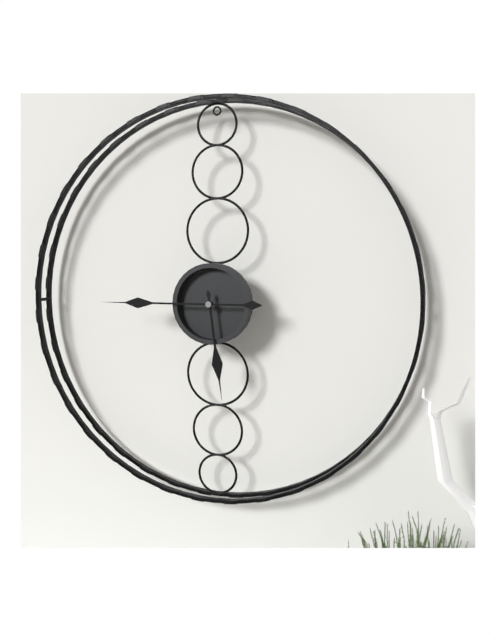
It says 5:45
